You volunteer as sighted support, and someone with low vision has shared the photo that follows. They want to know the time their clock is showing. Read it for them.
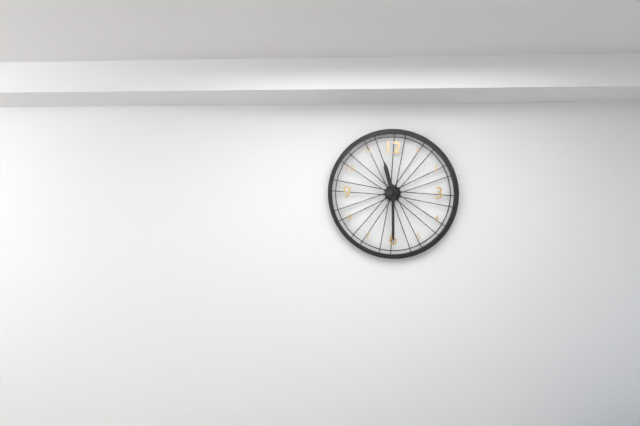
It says 11:30
